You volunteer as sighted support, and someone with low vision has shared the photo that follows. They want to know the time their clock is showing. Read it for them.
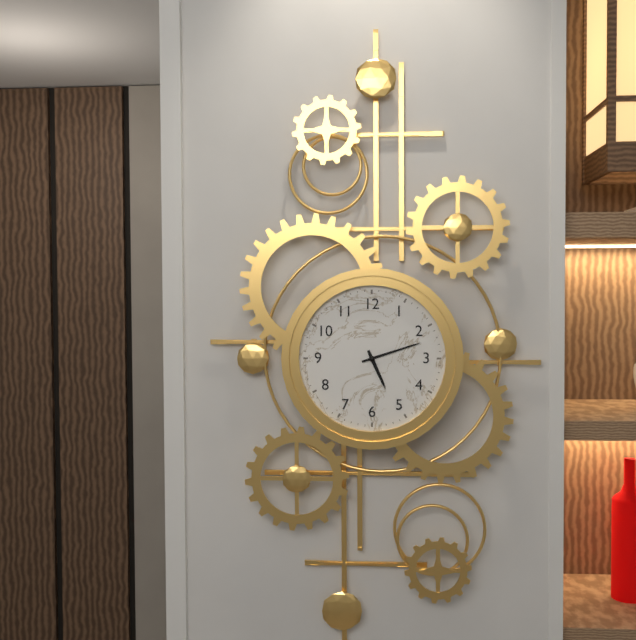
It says 5:12
